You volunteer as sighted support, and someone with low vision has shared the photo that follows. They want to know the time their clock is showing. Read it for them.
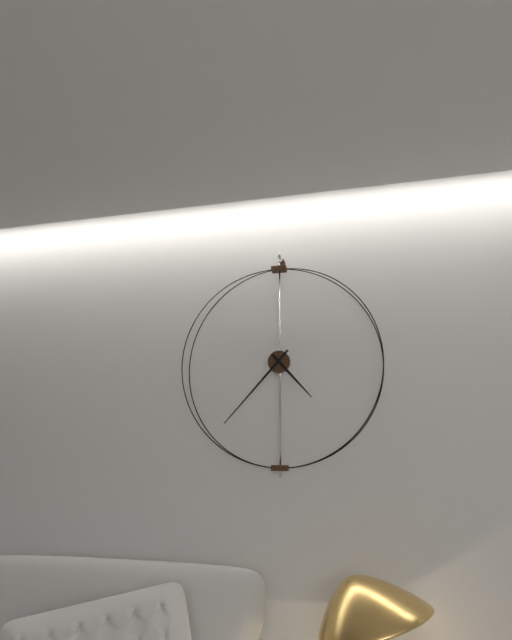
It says 4:37
